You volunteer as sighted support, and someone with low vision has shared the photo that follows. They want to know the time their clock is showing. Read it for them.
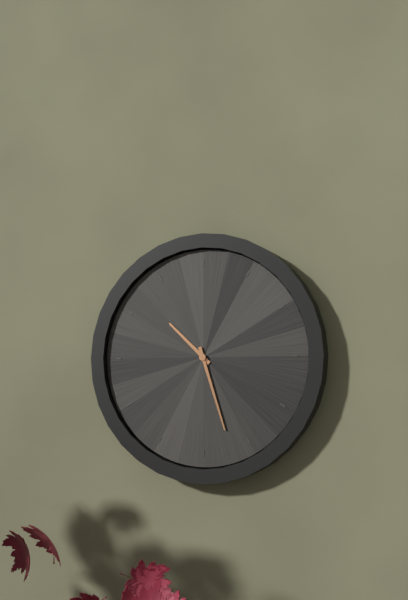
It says 10:27
